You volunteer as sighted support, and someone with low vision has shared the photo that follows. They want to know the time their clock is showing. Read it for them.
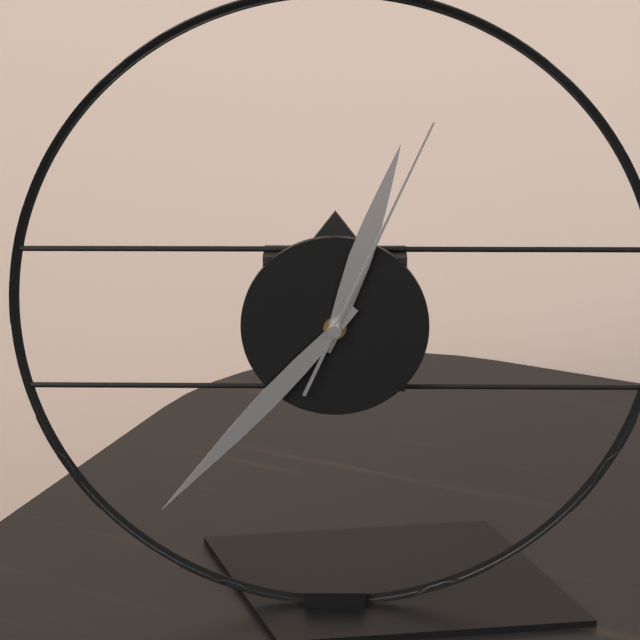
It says 12:37:04
